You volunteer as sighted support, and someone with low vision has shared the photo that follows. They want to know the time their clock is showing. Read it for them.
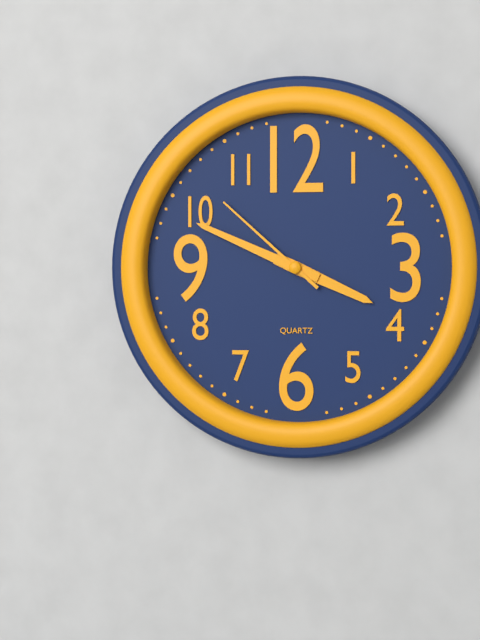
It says 3:49:52
